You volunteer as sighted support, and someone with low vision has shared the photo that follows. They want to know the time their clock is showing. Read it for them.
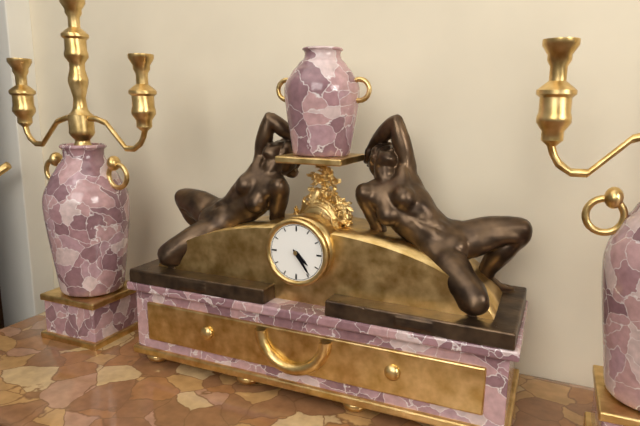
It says 4:24
